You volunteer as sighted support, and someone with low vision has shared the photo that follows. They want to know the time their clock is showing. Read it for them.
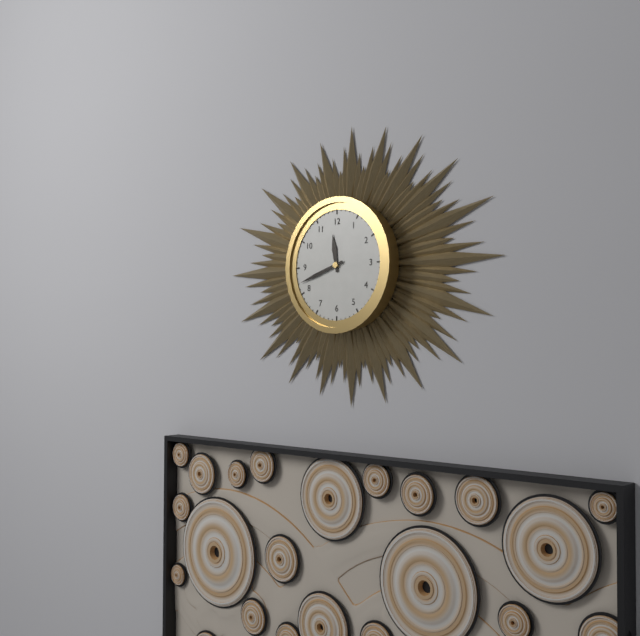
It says 11:42
